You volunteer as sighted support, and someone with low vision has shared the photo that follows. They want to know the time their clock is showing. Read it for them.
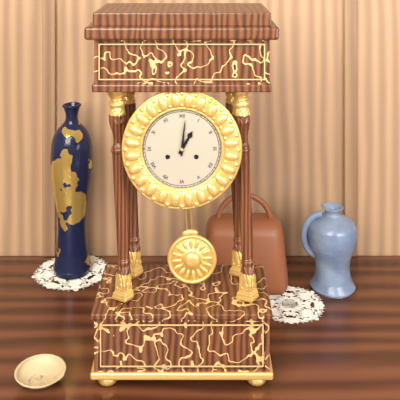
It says 1:01
